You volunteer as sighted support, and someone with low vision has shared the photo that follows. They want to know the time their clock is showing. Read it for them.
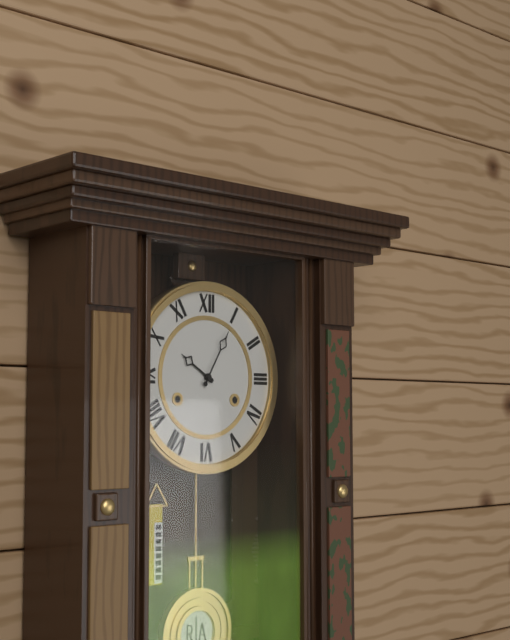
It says 10:05
